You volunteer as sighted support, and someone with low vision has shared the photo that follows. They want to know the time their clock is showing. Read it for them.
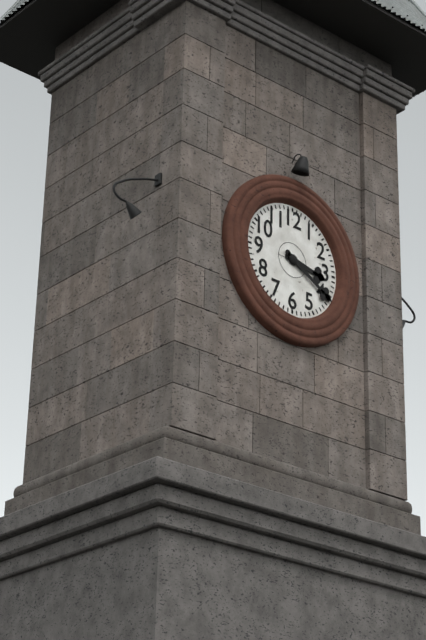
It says 3:20
